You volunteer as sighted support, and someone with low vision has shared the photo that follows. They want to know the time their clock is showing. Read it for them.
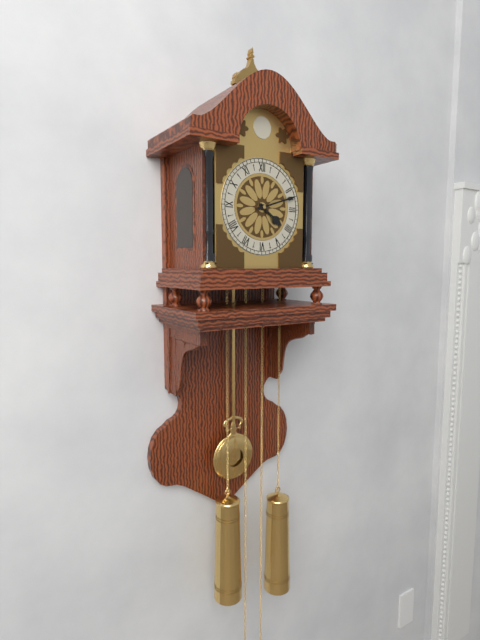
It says 4:12
